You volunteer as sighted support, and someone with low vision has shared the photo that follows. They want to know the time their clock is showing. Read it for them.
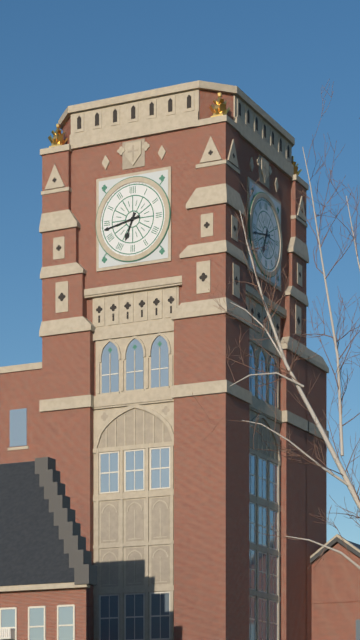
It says 6:43
